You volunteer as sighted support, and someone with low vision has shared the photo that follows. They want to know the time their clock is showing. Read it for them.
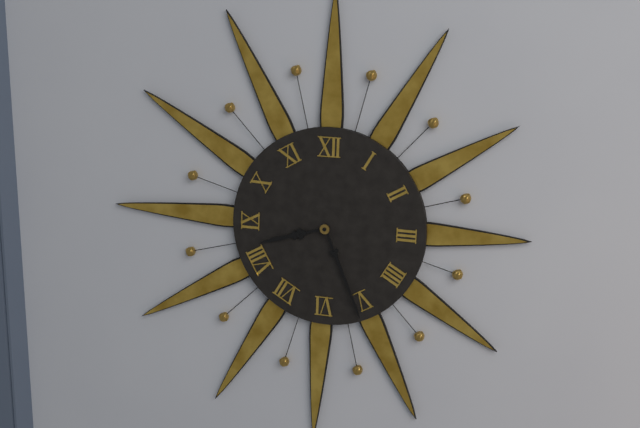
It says 8:26
